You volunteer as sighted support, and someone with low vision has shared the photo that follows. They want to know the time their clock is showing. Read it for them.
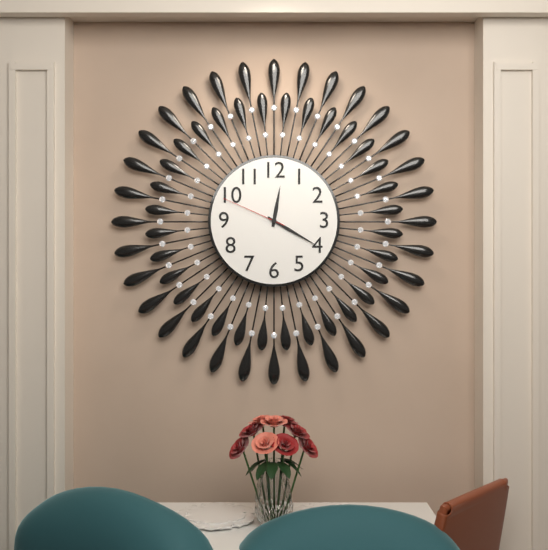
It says 12:20:49
